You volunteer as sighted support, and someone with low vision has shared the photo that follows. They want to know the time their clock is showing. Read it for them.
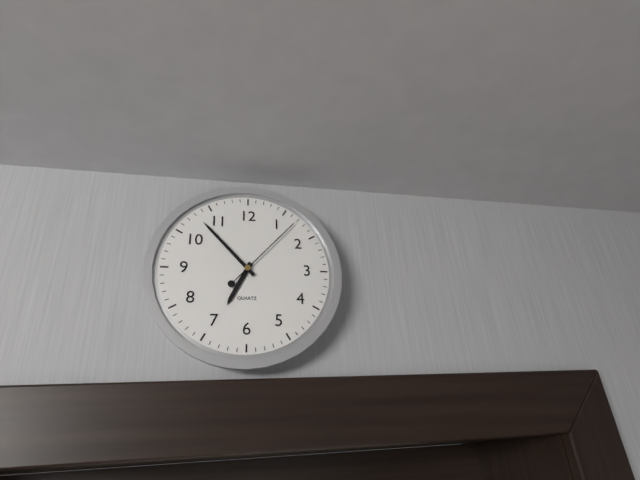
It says 6:53:07
